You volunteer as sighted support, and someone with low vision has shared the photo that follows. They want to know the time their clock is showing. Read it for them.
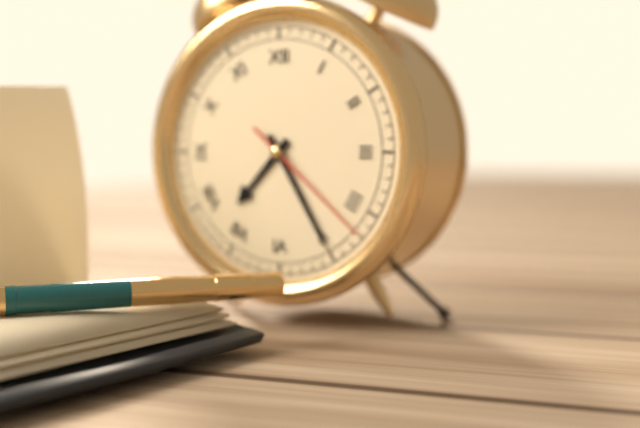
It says 7:25:22
